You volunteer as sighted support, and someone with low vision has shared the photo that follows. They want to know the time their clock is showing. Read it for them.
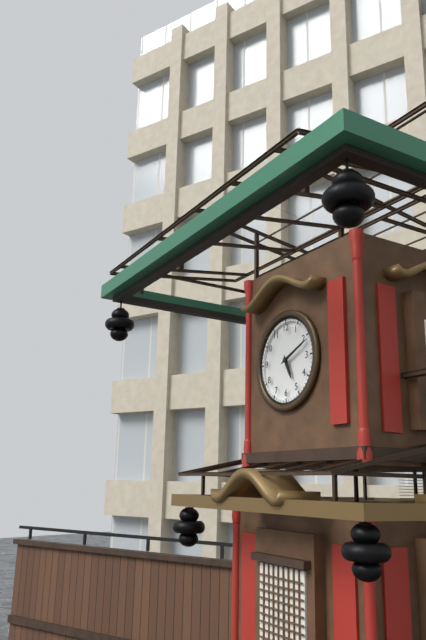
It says 5:11
